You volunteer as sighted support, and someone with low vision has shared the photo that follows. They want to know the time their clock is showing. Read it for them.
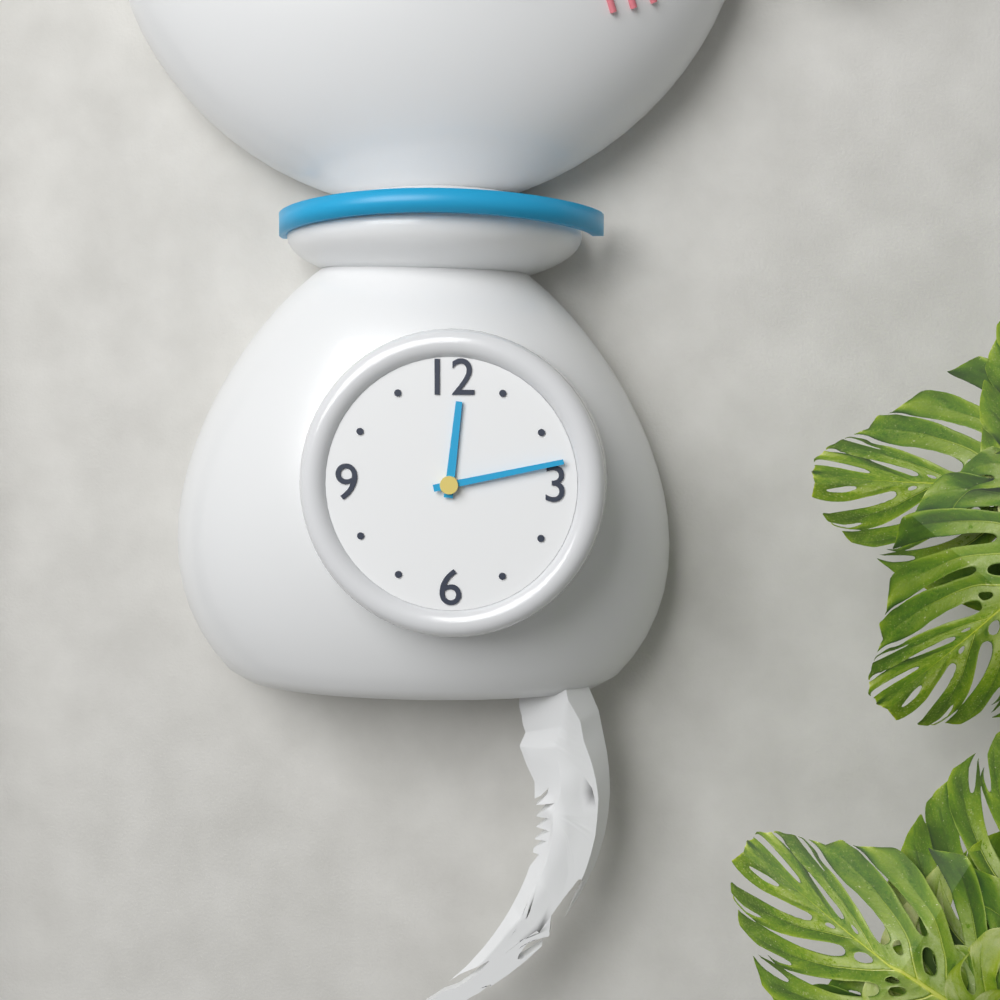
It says 12:13
